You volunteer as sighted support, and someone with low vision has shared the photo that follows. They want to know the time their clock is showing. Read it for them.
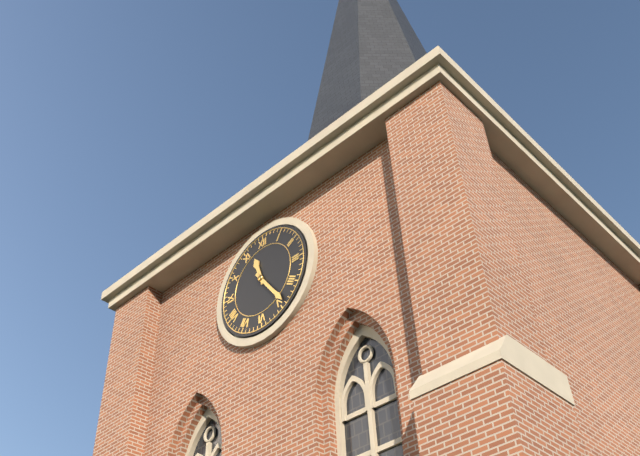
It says 11:24
